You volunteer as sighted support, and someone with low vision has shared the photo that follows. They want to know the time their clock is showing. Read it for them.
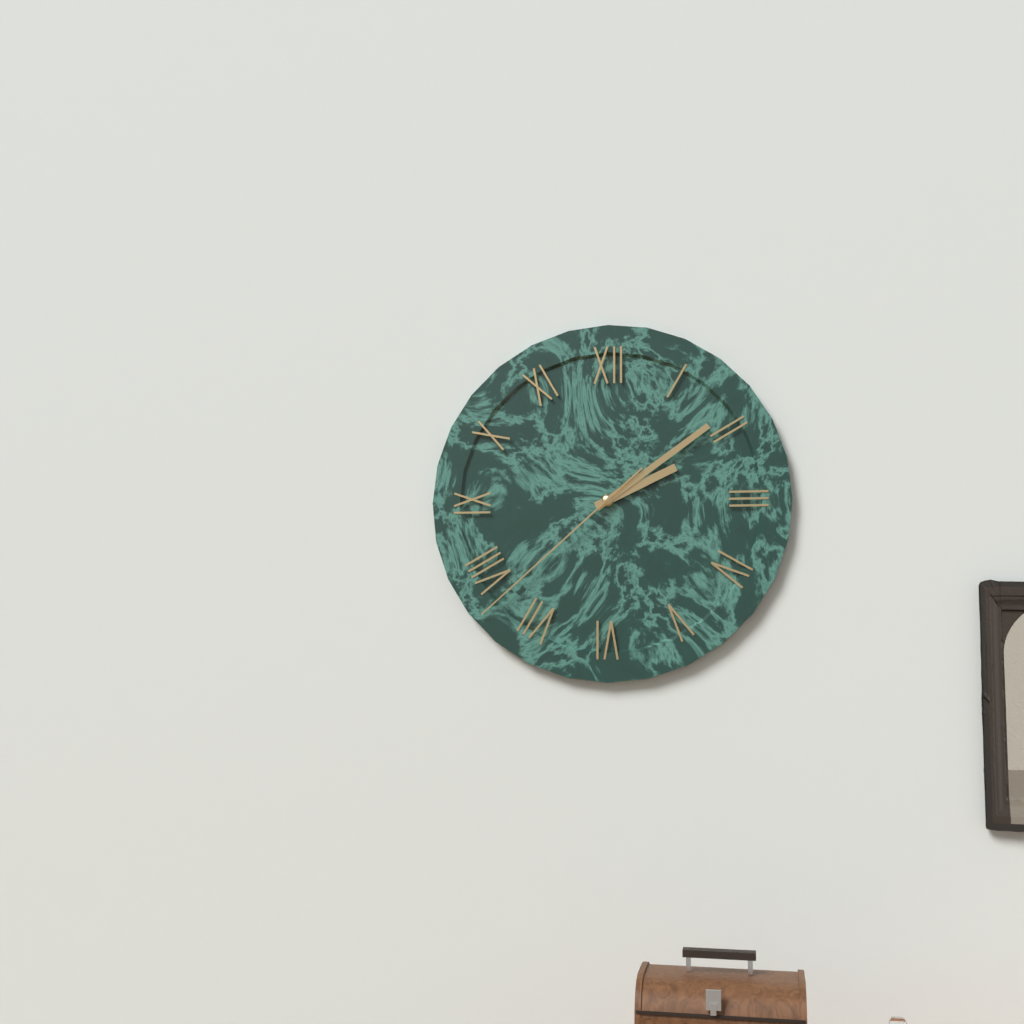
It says 2:09:38
